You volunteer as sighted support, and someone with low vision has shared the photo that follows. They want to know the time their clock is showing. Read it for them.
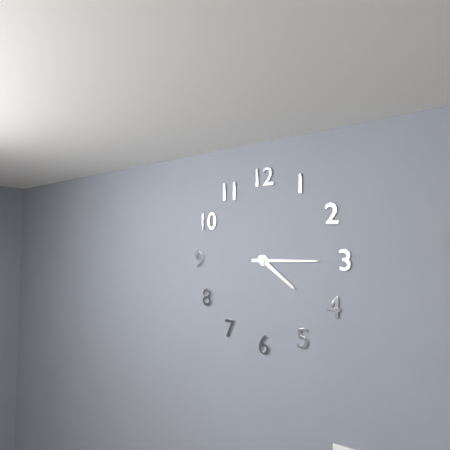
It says 4:15
